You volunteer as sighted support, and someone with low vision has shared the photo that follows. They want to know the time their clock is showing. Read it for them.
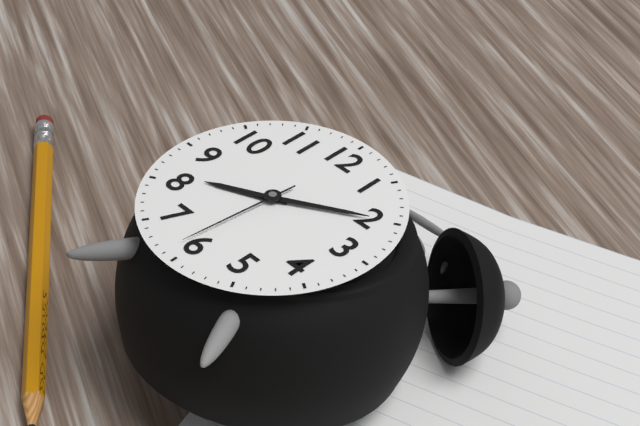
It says 8:10:31
